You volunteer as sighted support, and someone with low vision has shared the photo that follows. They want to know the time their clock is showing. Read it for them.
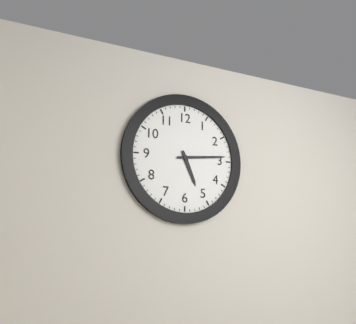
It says 5:14
